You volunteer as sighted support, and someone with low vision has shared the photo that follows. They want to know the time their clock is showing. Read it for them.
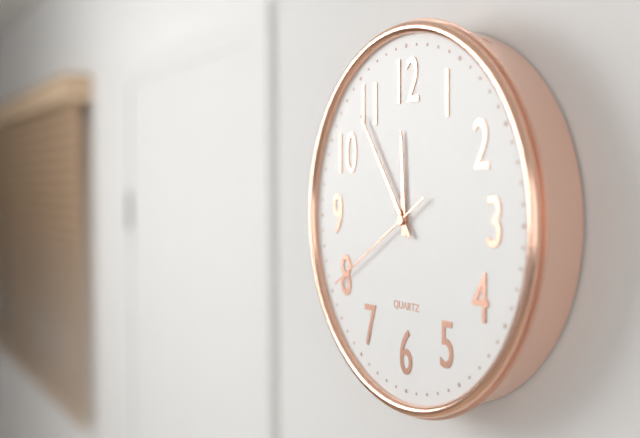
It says 11:54:40
